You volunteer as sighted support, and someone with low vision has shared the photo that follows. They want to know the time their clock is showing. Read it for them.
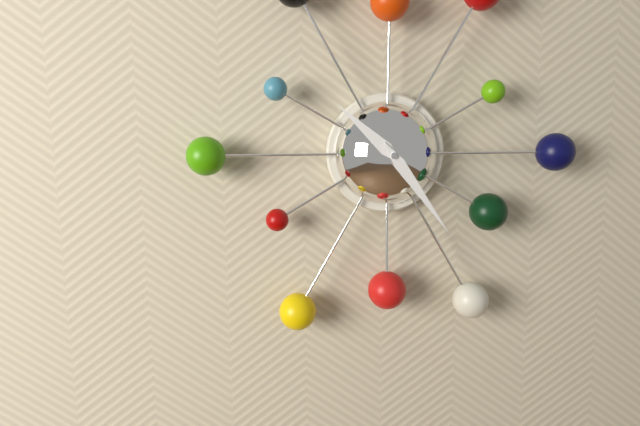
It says 10:24
